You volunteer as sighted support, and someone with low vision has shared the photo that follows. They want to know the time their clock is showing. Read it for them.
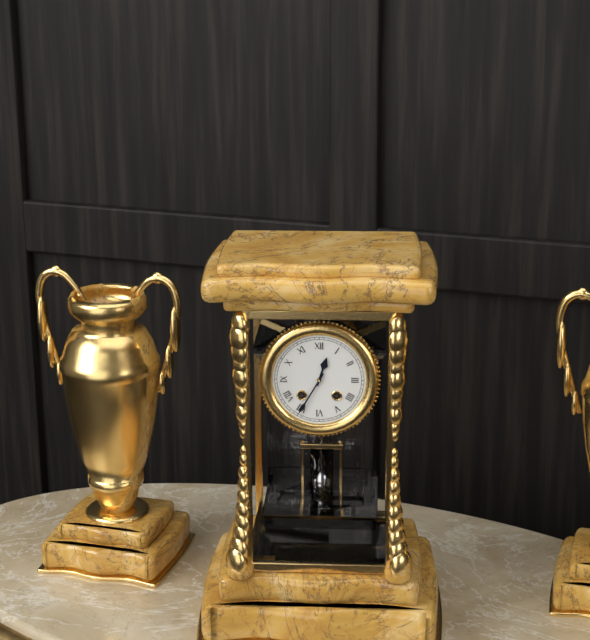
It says 12:35
